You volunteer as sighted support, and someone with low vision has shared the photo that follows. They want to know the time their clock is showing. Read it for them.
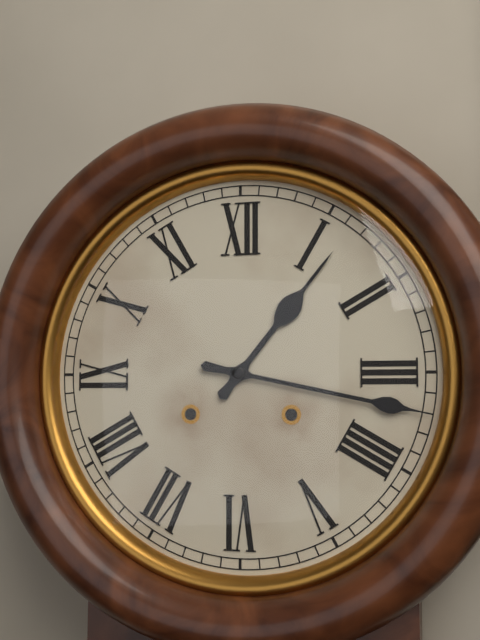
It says 1:17
